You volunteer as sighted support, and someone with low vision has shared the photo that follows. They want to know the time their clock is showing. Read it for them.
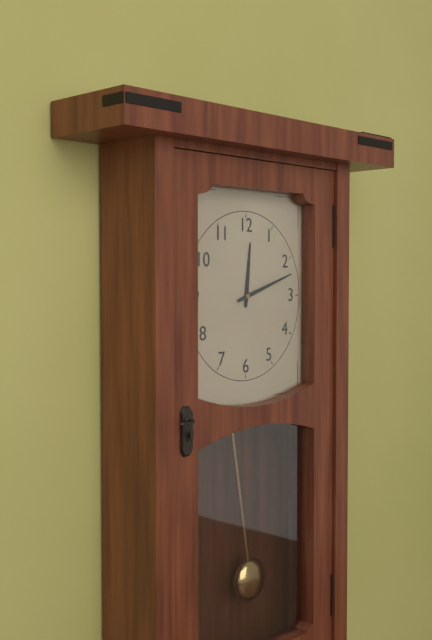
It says 12:12
